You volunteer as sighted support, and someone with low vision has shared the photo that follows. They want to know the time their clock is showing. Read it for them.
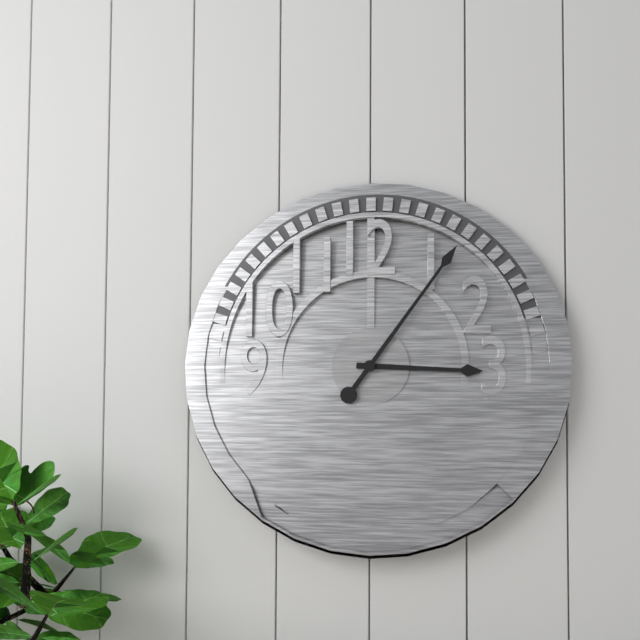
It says 3:06
